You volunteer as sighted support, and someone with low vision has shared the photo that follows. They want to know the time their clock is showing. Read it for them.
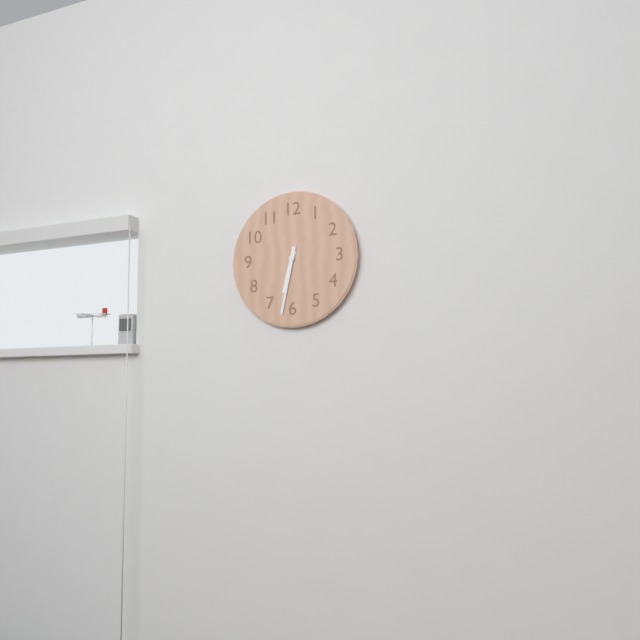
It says 6:32
